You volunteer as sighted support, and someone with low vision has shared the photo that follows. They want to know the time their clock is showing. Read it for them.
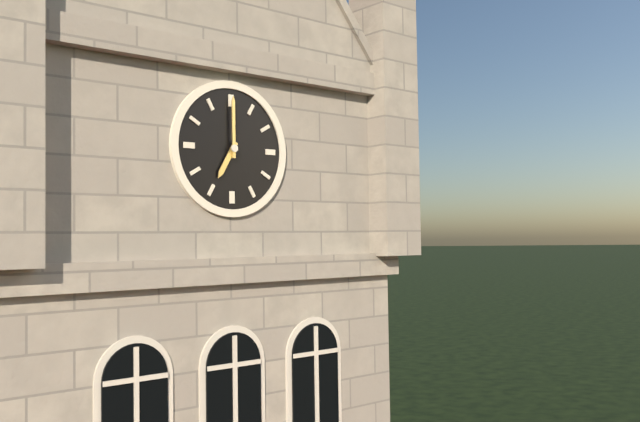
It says 7:00
